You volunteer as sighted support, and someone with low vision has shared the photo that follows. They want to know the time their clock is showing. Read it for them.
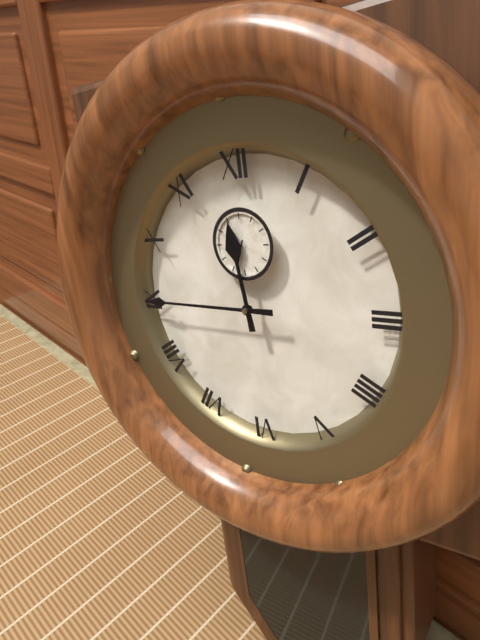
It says 11:45
